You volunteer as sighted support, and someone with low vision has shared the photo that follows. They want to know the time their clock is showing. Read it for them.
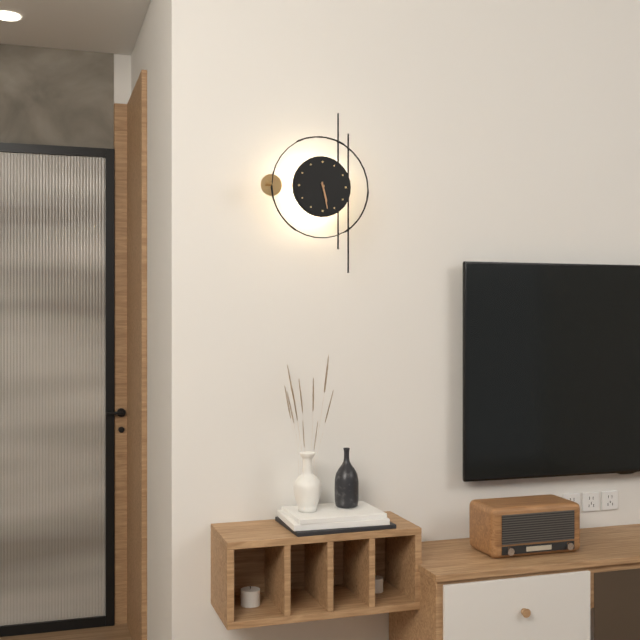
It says 5:28
